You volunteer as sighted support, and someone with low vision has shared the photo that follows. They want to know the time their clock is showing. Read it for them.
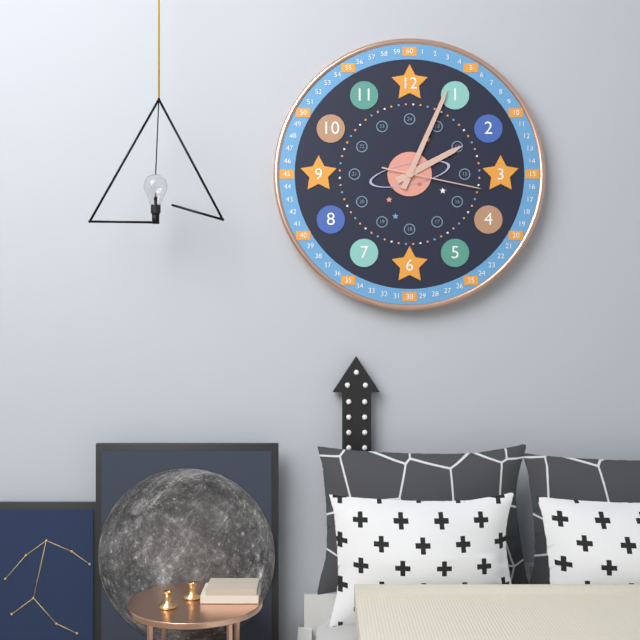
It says 2:04:17
